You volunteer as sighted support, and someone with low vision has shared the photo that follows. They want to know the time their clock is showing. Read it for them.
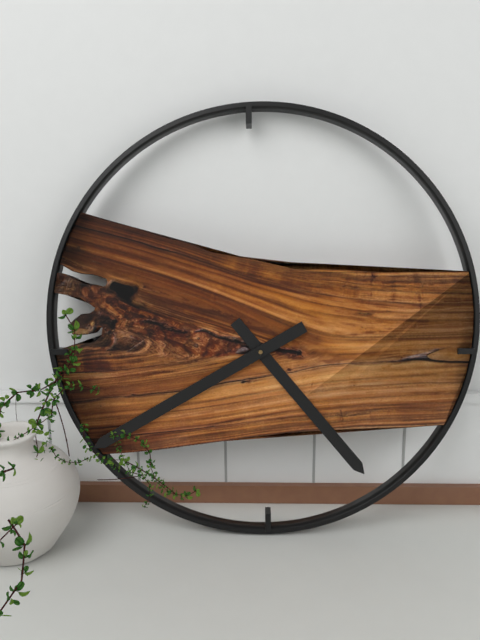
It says 4:40
